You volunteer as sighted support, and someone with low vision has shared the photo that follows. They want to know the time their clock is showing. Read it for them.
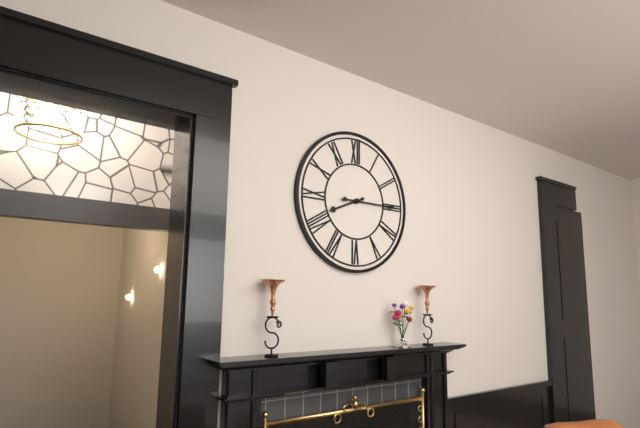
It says 8:15
